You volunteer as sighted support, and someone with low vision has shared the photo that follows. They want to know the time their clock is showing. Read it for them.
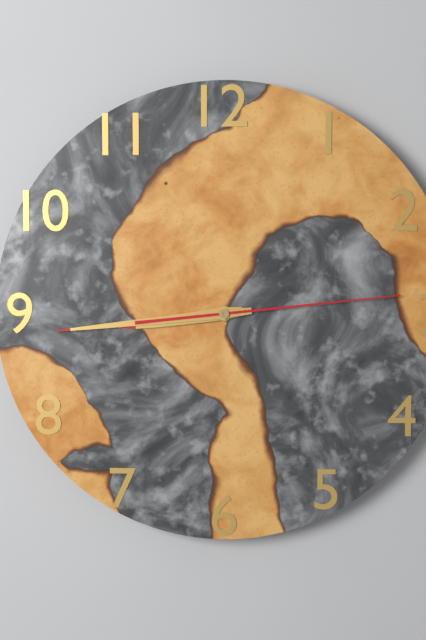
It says 8:44:14
